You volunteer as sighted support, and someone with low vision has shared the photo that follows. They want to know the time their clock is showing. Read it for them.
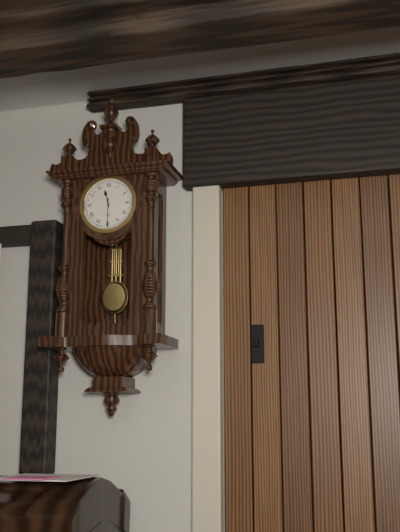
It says 11:30
